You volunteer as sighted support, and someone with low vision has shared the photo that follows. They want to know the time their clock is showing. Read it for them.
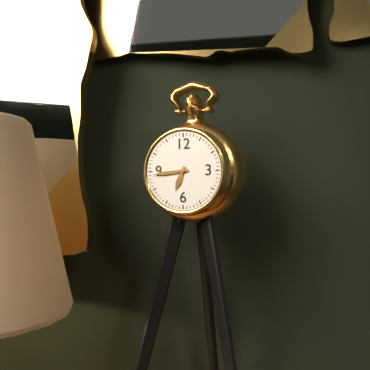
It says 6:44
